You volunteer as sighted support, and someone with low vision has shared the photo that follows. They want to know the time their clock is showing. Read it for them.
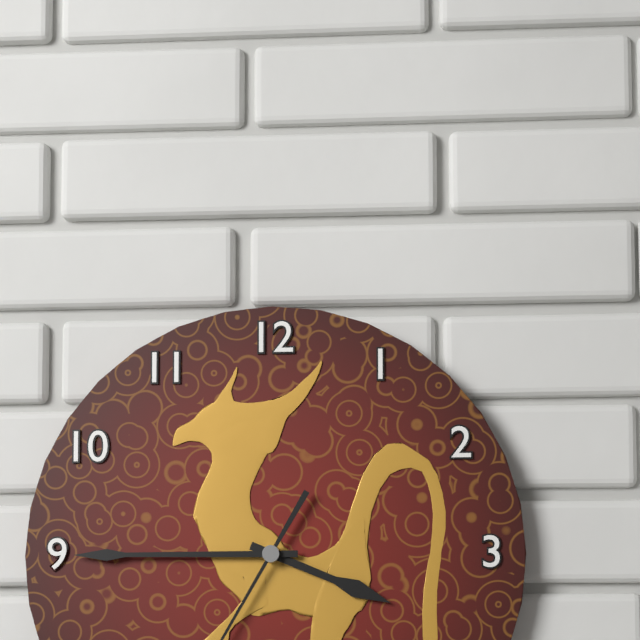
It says 3:45
